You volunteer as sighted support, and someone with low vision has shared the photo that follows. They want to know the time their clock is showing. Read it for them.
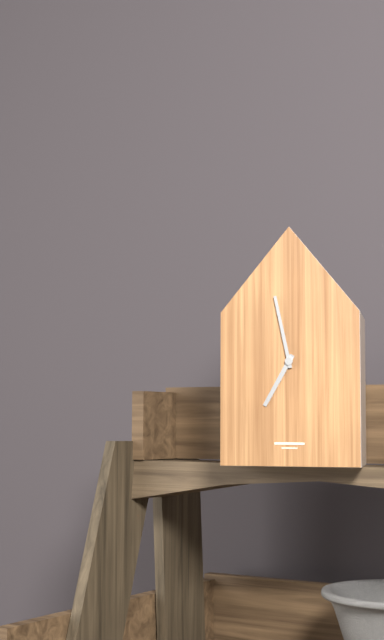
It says 6:58
